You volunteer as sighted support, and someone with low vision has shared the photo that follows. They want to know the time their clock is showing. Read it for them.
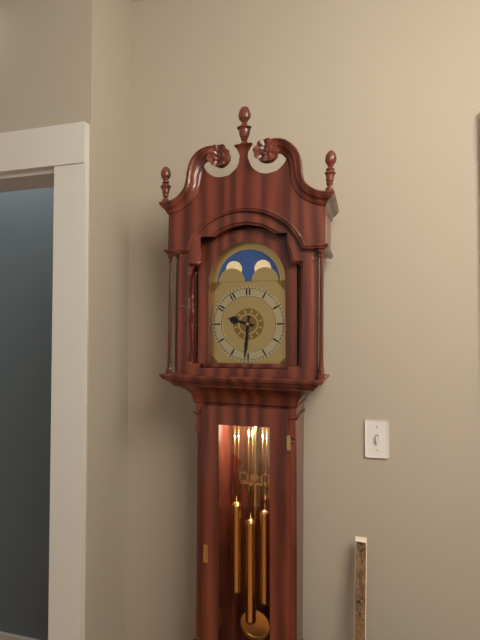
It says 9:31
